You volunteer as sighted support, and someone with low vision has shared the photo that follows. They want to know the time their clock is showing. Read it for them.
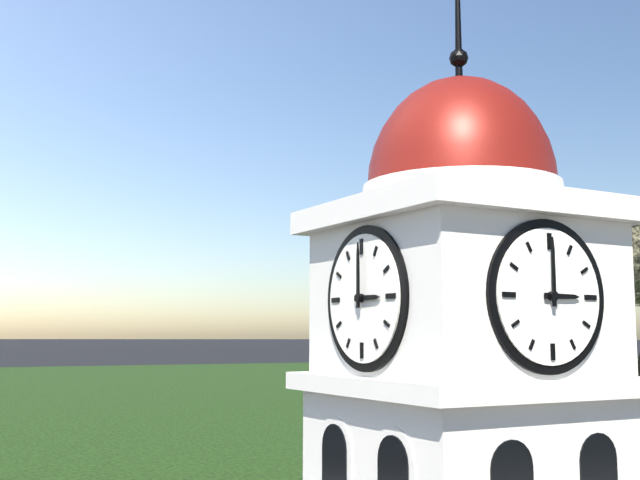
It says 3:00
